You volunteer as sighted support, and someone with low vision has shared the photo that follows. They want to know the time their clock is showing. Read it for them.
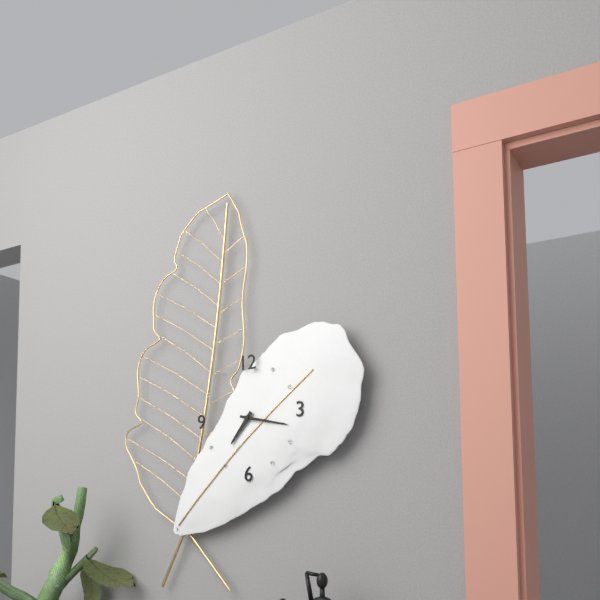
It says 7:17
